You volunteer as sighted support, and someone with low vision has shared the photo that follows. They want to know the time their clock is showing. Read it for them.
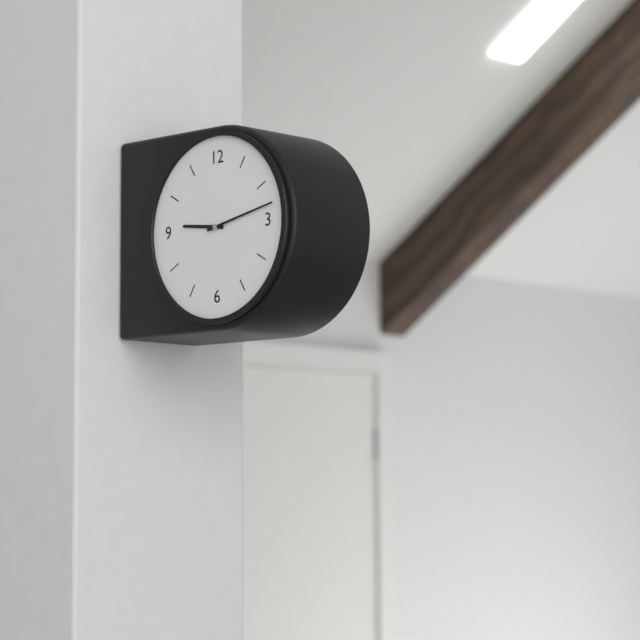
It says 9:13
